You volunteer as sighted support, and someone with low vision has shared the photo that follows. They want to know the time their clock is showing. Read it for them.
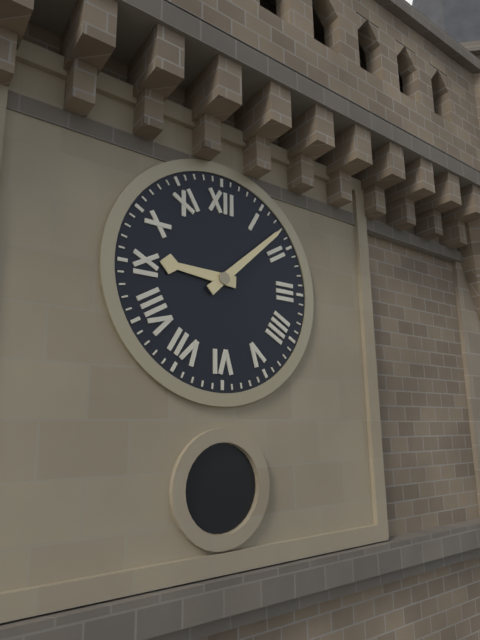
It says 9:08
